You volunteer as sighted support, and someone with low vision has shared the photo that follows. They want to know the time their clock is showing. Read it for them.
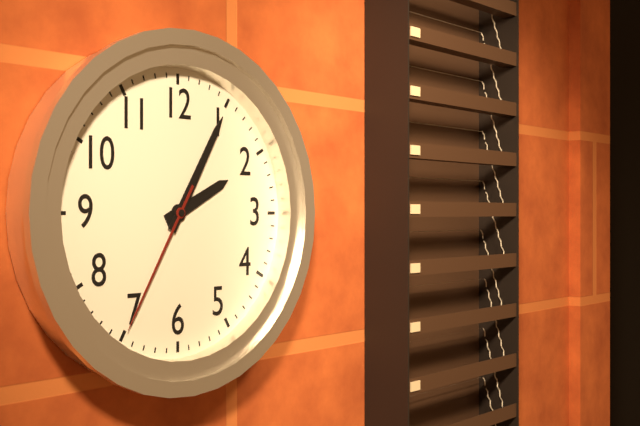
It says 2:05:35
